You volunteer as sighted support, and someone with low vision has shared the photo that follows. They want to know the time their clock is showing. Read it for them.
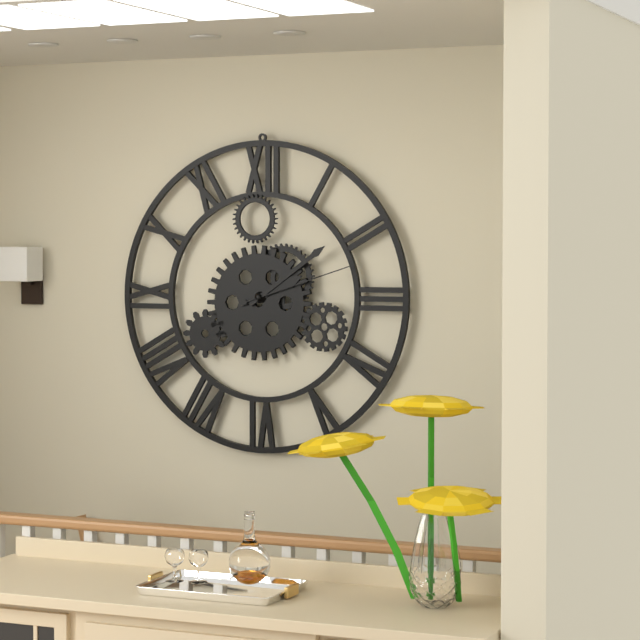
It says 2:09:12
